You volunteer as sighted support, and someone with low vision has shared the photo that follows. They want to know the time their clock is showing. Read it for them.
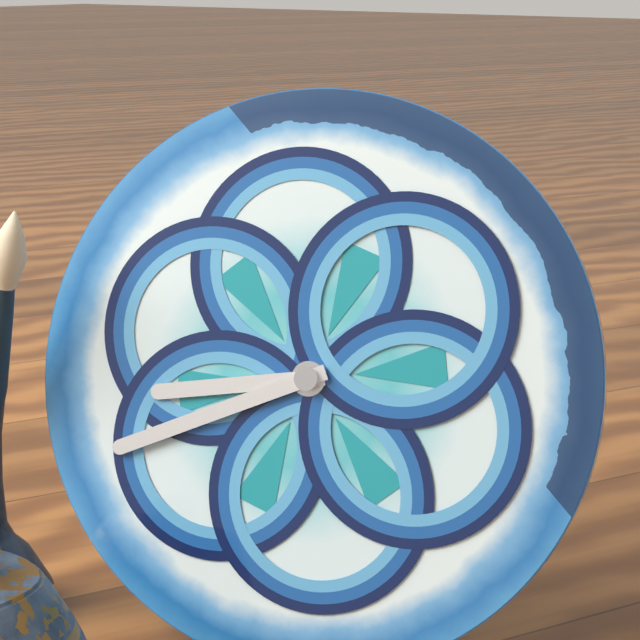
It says 8:41
